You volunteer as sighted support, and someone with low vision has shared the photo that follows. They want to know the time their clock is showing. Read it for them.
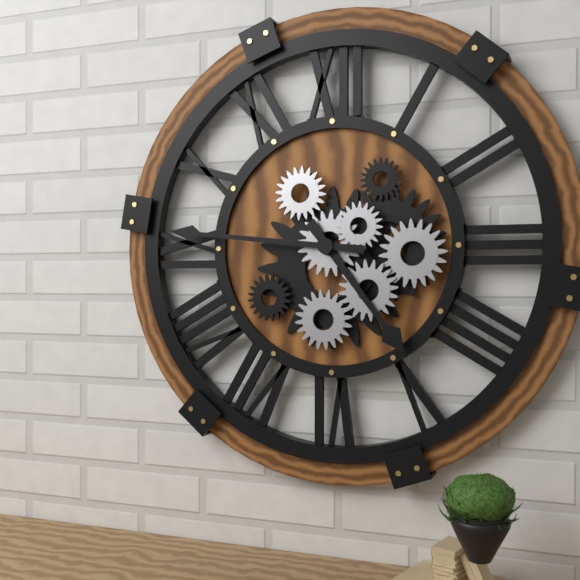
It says 4:46
